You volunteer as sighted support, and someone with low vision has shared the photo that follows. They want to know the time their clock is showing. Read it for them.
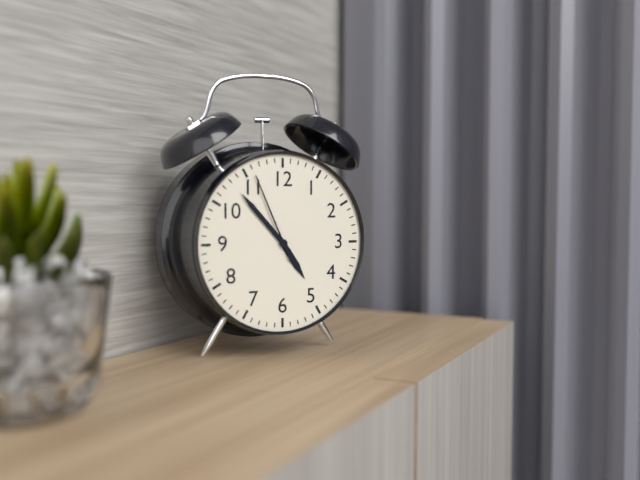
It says 4:53:56
